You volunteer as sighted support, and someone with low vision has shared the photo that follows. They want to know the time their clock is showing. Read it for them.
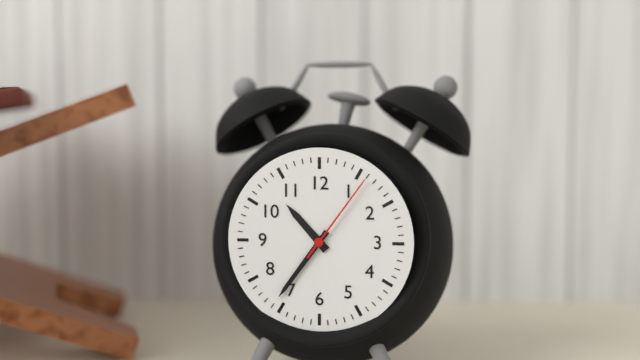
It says 10:36:06
